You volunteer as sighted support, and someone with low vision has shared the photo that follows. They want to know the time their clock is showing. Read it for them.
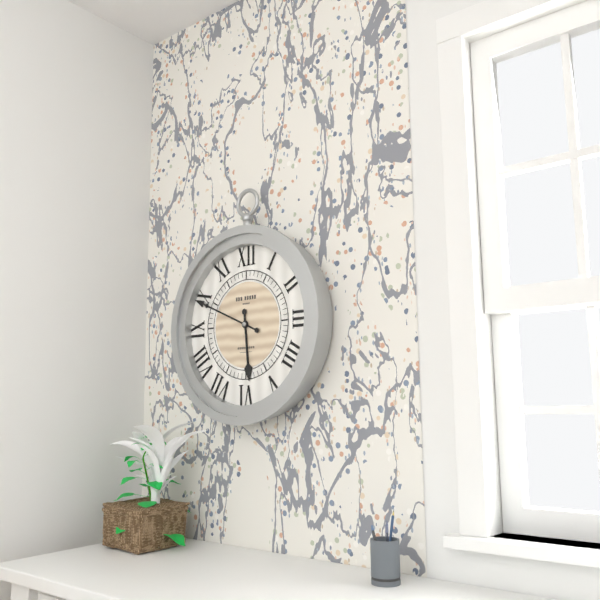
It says 5:49
